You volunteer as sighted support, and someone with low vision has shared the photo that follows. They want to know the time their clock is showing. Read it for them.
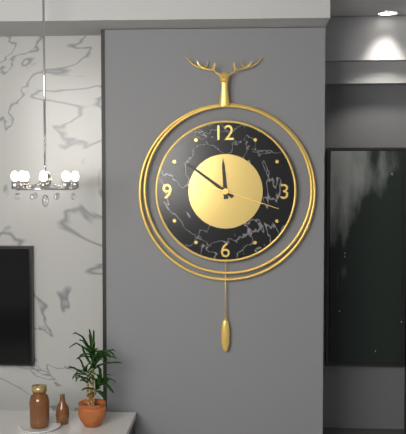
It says 11:51:18
